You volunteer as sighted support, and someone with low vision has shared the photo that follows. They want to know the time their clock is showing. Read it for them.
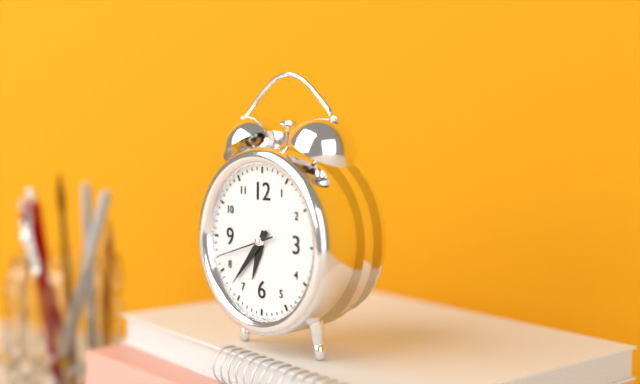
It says 6:37:42
